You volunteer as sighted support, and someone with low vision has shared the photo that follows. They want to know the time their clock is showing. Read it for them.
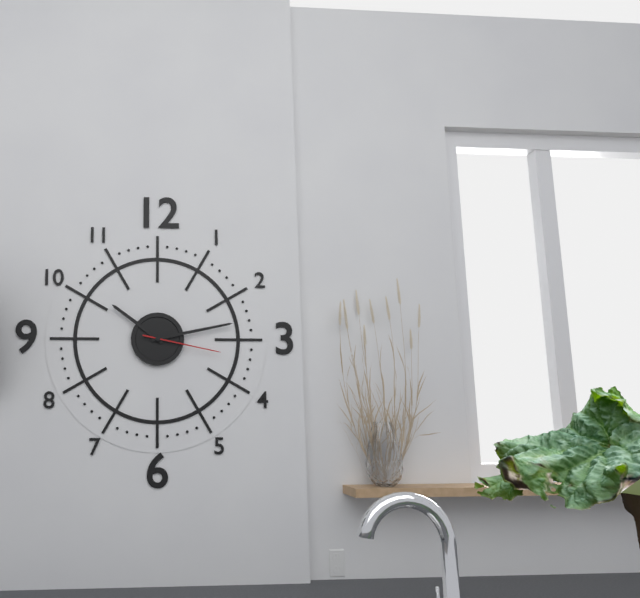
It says 10:13:17
